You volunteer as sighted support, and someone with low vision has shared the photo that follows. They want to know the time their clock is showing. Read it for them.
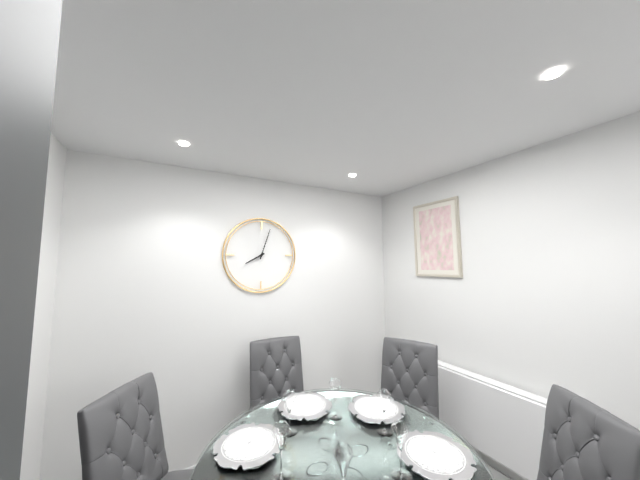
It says 8:03
